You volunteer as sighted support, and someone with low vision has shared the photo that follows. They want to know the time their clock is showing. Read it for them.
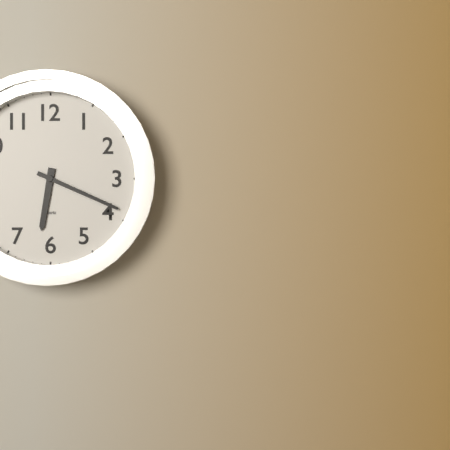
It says 6:19
